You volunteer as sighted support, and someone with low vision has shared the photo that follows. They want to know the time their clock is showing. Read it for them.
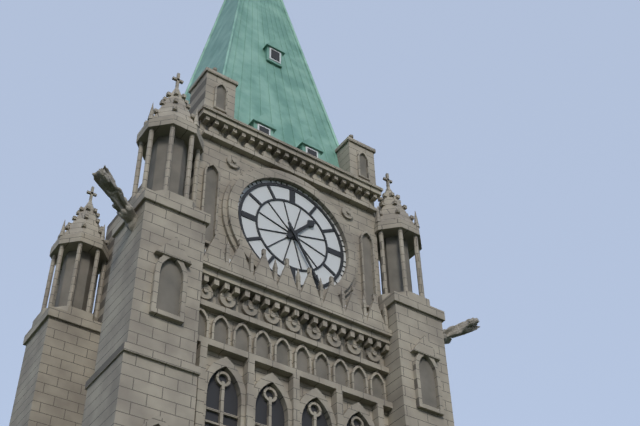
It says 1:25
